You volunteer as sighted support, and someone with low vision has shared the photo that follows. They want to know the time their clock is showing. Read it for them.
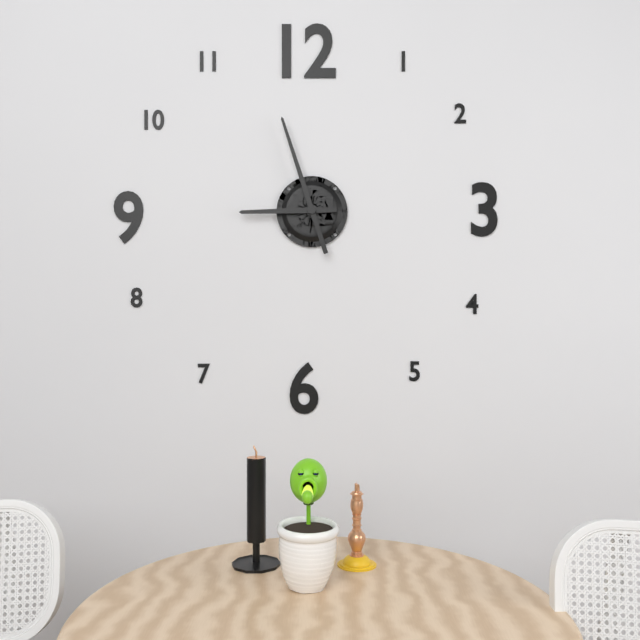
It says 8:57
